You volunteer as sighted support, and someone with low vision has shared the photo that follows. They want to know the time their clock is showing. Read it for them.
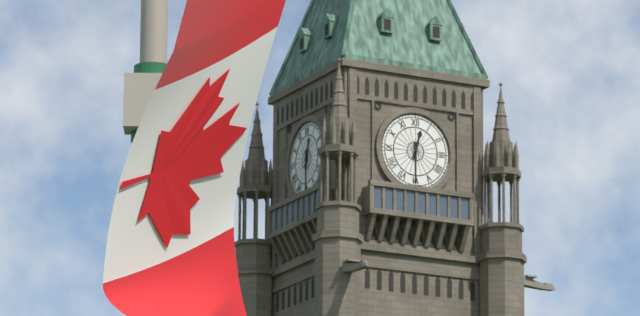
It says 12:30
